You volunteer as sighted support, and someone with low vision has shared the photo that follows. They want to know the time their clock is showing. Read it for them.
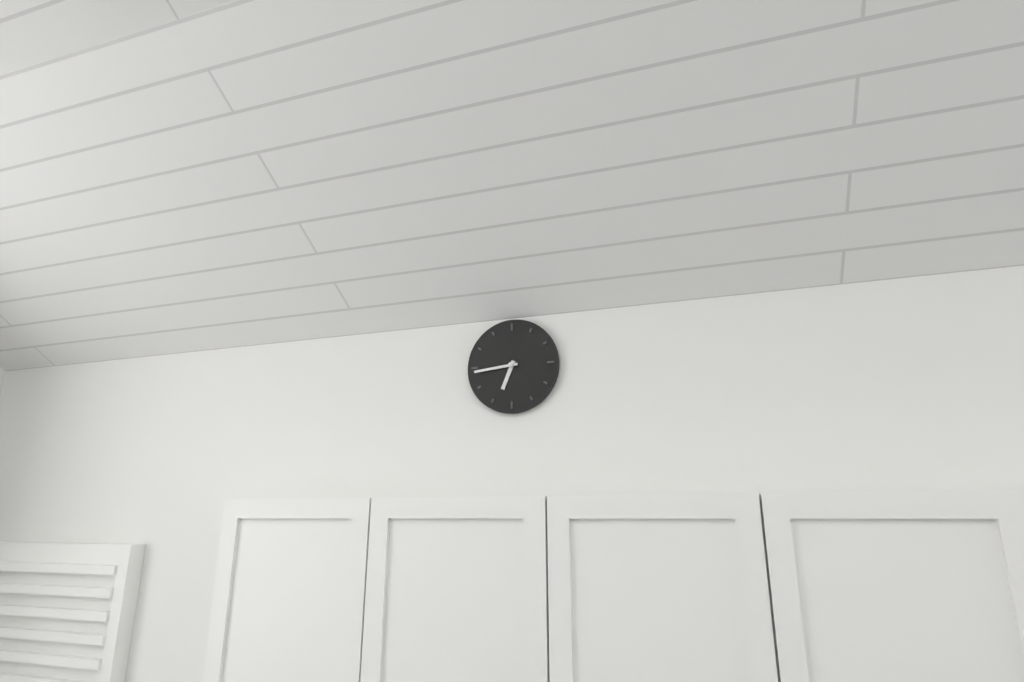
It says 6:44
